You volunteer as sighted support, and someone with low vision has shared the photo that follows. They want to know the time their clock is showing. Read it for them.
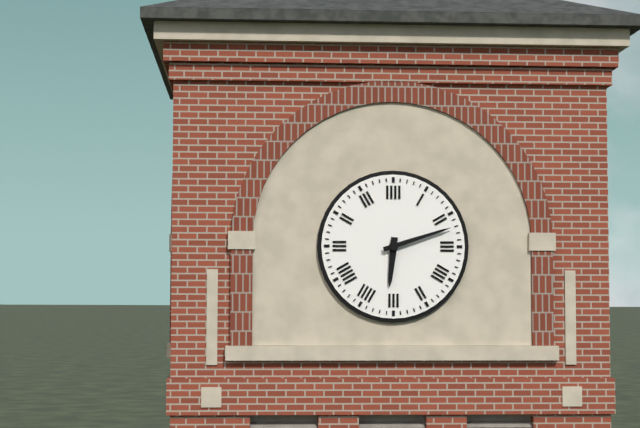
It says 6:12
